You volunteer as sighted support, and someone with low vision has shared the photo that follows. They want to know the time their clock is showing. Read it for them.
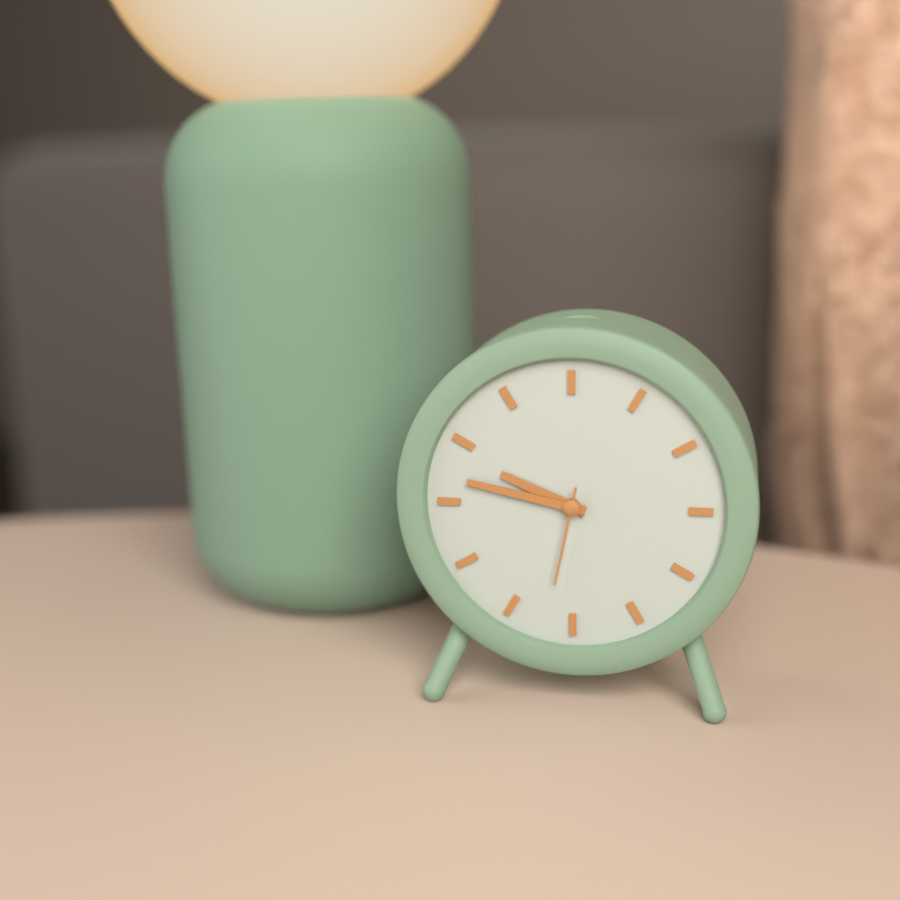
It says 9:47:32
